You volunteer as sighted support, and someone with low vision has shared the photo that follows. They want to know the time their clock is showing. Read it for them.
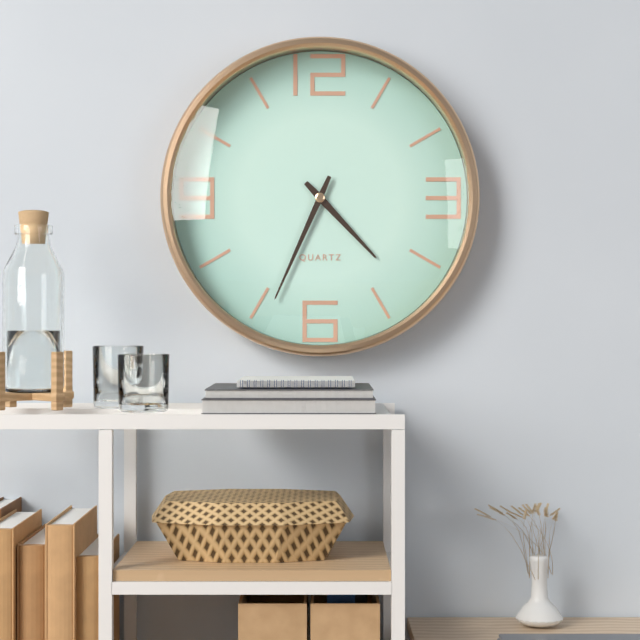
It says 4:34
